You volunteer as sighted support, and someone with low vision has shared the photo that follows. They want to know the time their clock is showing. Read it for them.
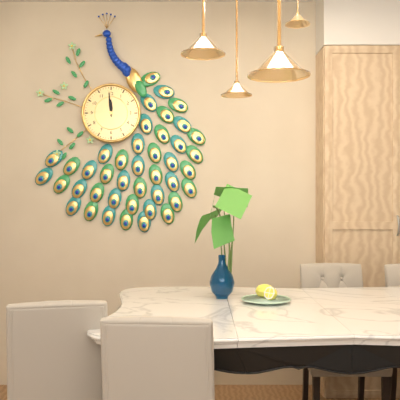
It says 11:59
